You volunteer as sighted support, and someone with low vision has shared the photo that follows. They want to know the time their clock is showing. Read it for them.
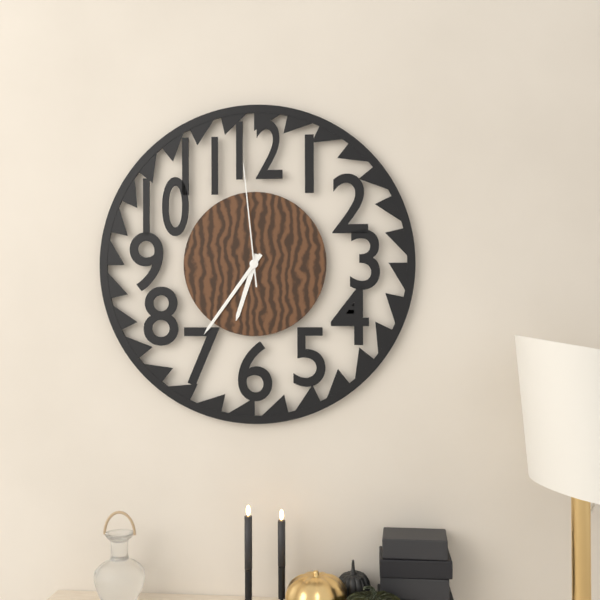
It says 6:36:59
